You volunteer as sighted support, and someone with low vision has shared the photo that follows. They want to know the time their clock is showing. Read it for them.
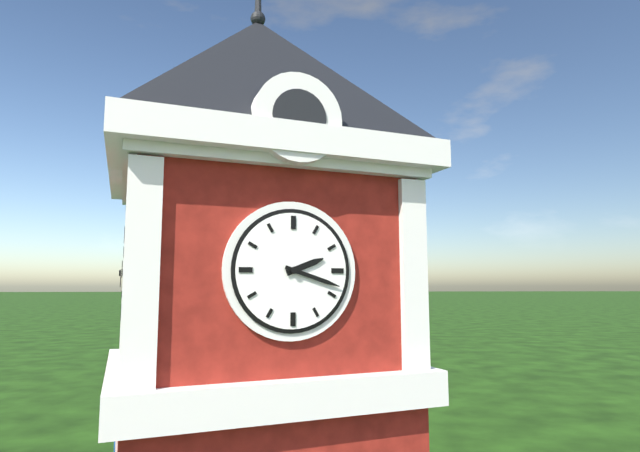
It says 2:18
